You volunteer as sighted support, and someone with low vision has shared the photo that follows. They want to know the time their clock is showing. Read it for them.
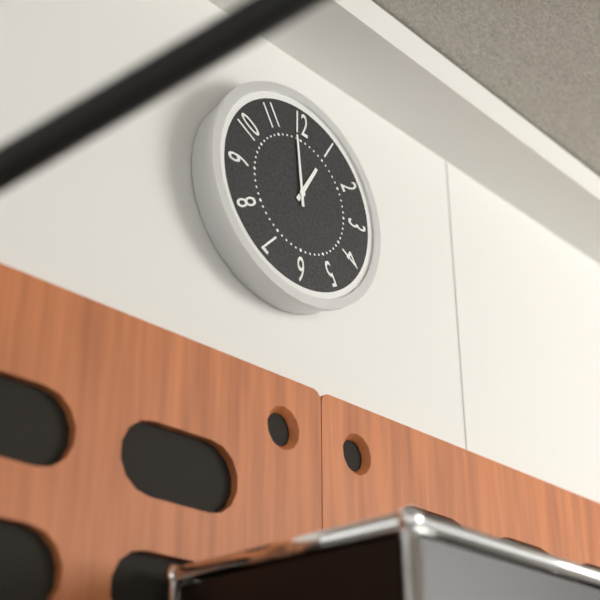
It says 12:59
